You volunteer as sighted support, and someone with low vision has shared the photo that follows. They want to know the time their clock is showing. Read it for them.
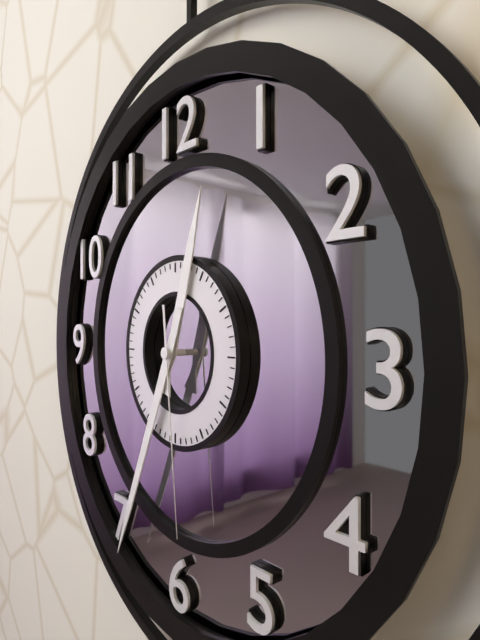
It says 12:34:29
